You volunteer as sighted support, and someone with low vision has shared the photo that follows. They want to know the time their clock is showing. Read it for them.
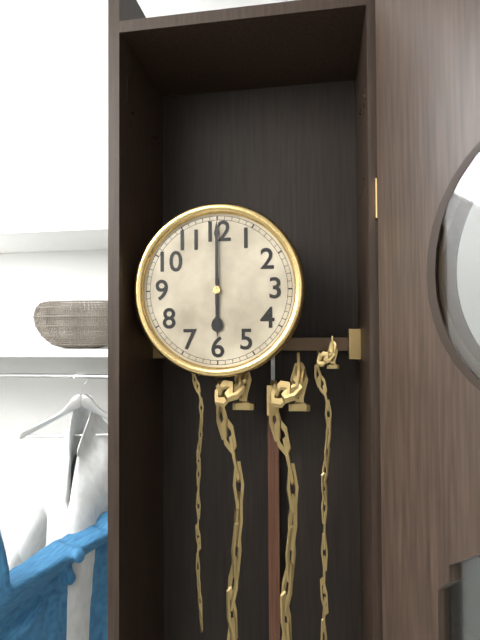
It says 6:00
